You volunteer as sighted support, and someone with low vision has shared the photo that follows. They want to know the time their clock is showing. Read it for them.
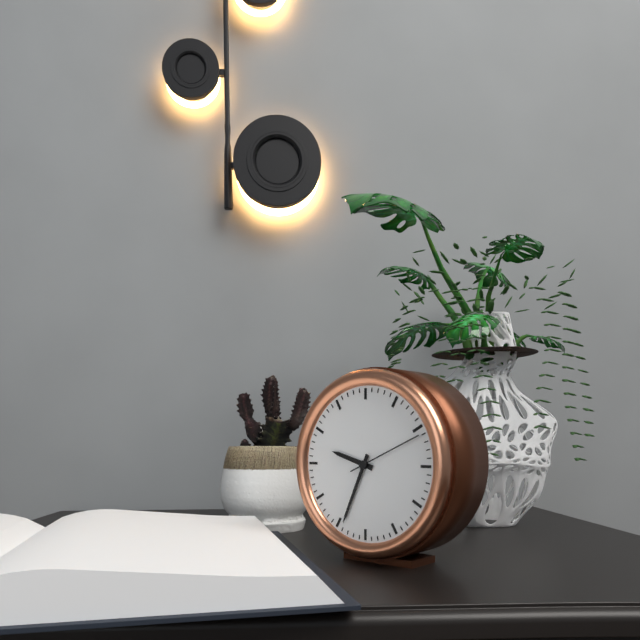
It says 9:34:11
